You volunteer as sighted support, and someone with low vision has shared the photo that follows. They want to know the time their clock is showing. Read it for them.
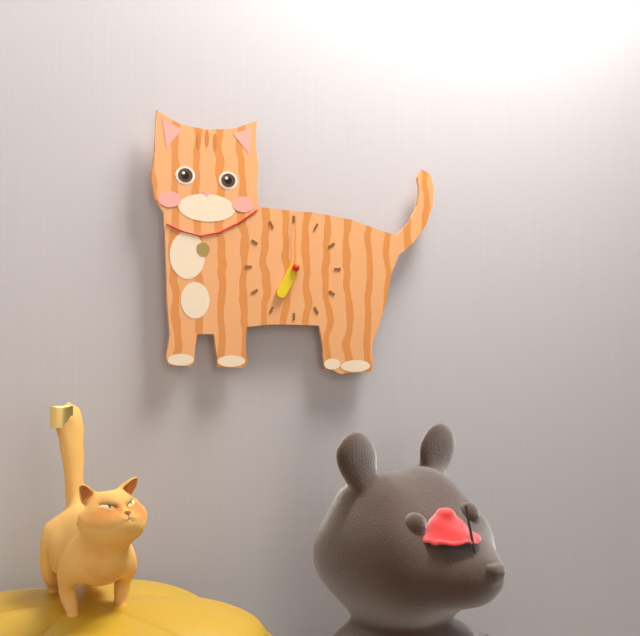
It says 7:00
